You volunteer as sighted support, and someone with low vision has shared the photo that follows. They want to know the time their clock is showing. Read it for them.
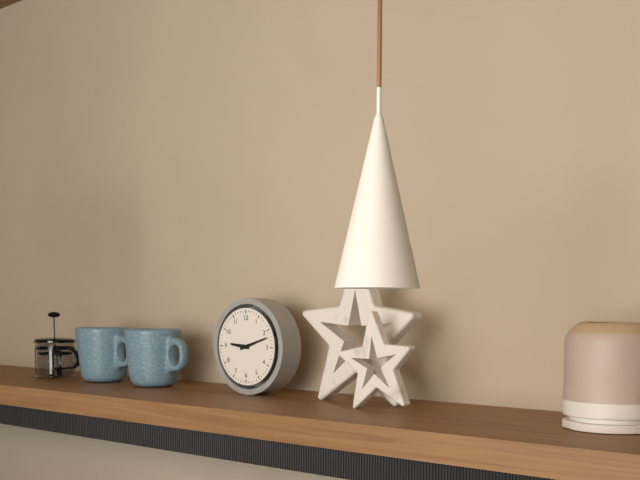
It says 9:12
